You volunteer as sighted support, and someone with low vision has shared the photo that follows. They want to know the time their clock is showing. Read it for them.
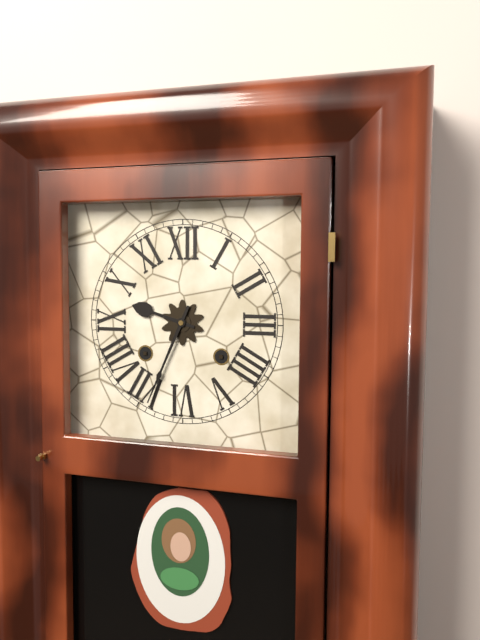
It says 9:34
